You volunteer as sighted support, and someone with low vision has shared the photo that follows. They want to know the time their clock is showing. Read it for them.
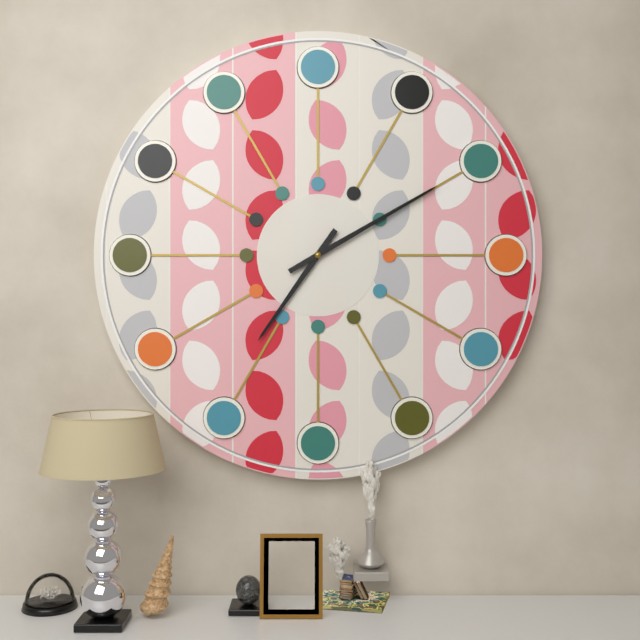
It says 7:10
